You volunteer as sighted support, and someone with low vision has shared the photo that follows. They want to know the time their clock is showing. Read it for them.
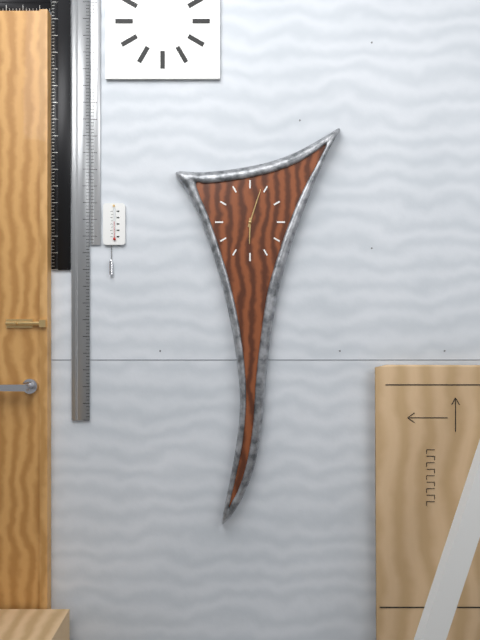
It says 6:03
